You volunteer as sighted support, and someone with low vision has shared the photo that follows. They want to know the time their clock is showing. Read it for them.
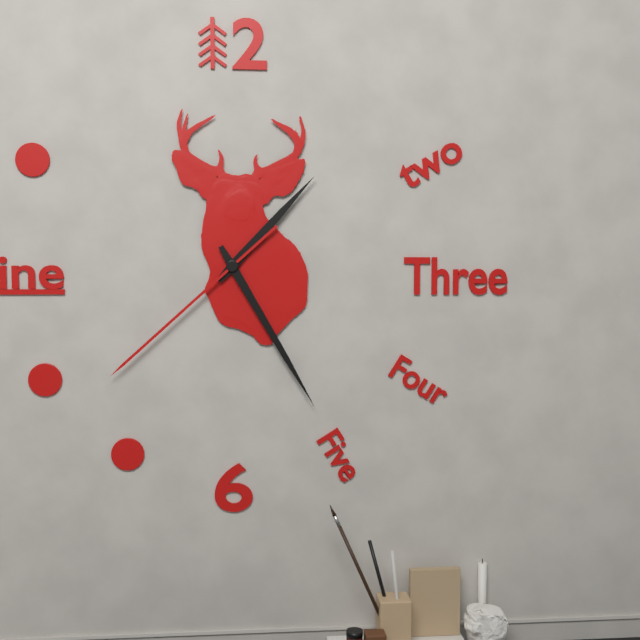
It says 1:25:38
